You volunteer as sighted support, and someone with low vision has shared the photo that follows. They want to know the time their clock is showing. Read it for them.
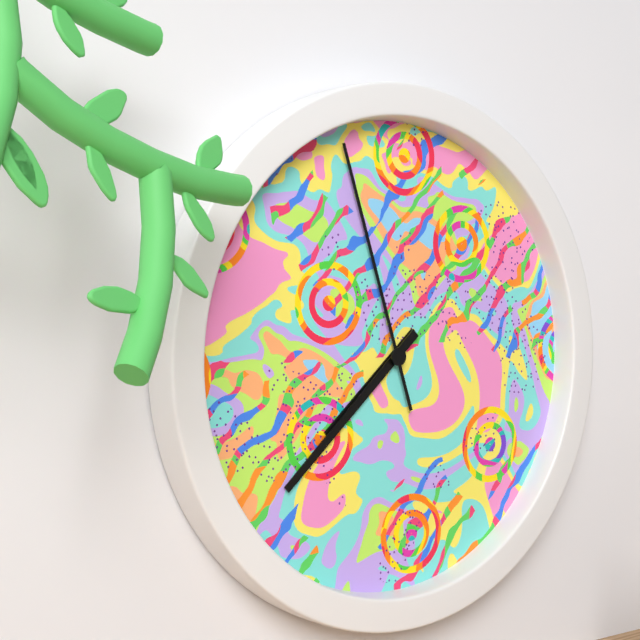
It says 7:38:57
